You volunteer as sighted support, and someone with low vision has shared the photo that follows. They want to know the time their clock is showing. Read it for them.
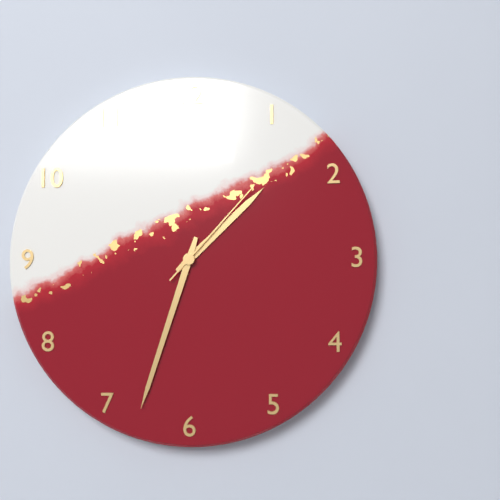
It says 1:33:07
